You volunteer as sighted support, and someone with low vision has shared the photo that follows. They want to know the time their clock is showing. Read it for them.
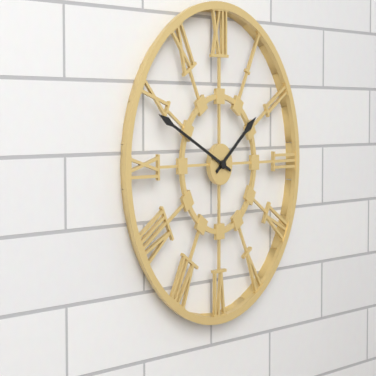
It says 1:49
